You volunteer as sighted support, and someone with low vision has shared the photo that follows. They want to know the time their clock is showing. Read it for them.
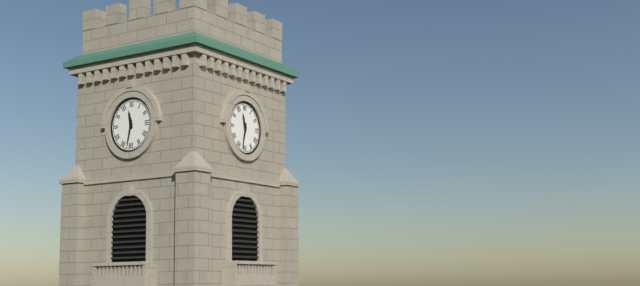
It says 11:32
